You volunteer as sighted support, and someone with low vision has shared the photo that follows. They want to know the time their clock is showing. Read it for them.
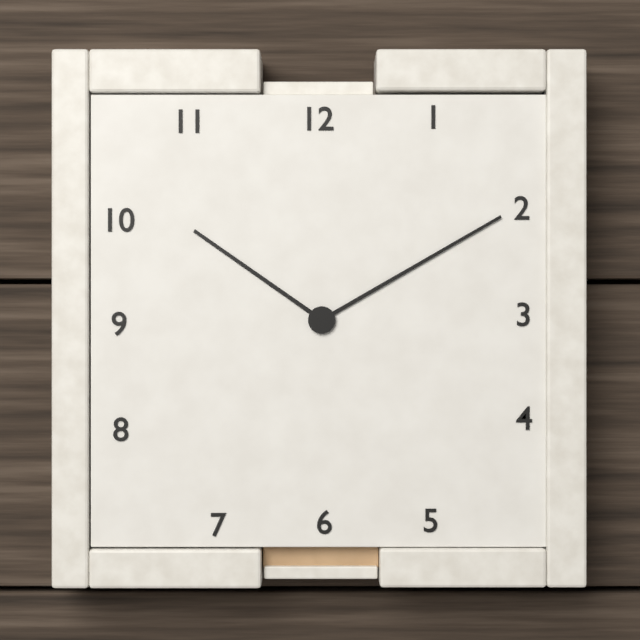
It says 10:10
